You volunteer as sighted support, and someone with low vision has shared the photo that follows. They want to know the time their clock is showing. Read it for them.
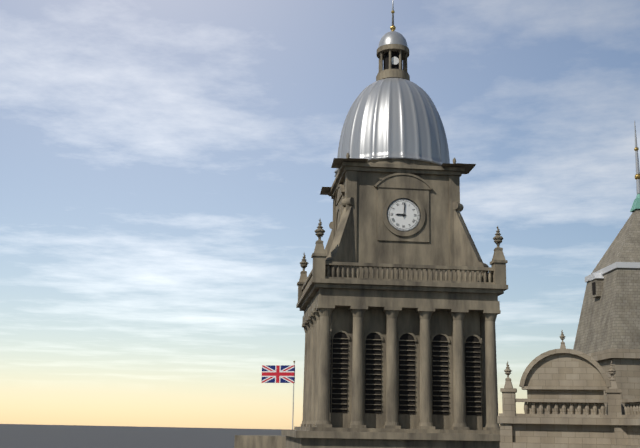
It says 9:01
